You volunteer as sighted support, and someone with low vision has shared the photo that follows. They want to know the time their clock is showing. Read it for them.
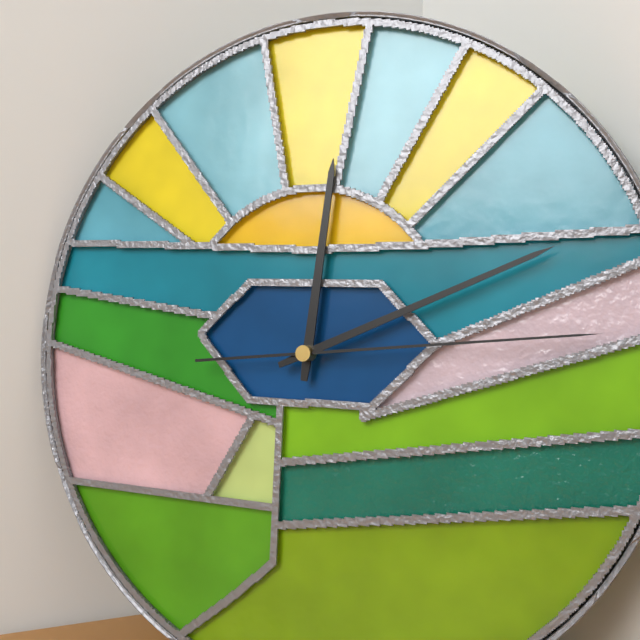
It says 12:11:14
